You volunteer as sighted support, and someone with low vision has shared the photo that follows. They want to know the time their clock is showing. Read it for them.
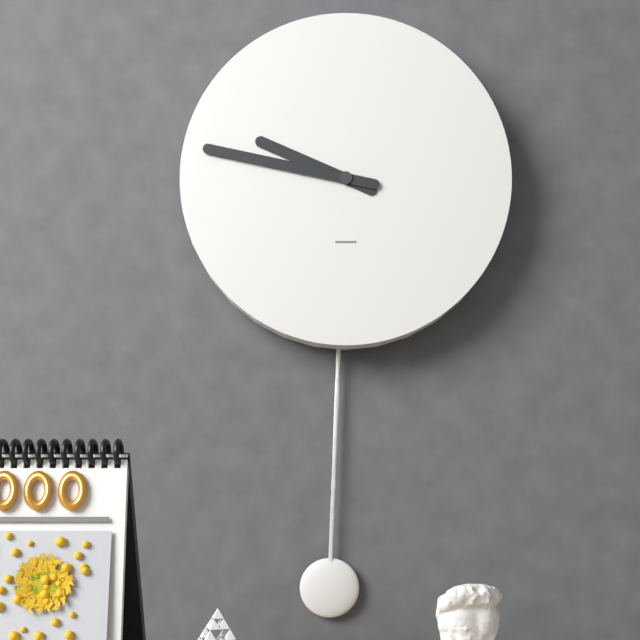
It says 9:47
